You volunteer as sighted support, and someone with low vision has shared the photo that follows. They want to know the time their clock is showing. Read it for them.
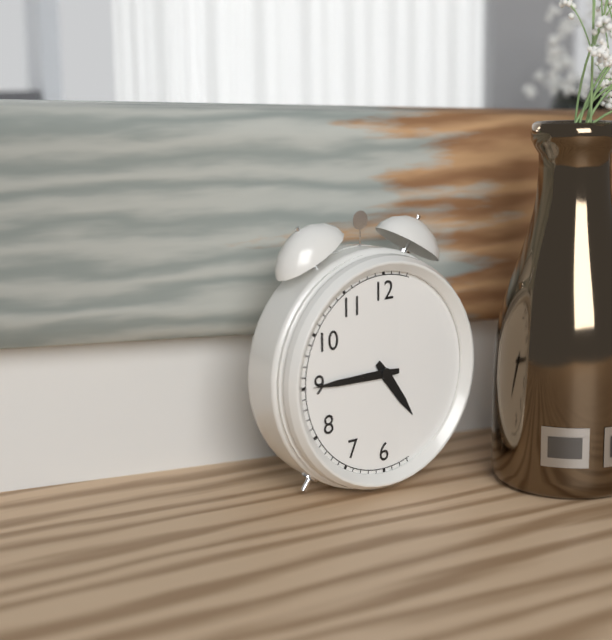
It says 4:45
